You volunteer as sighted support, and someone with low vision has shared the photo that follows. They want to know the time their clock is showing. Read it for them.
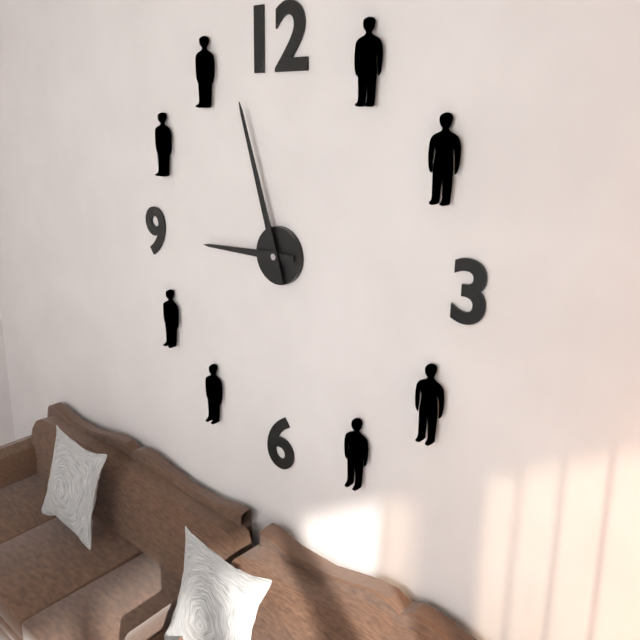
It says 8:57
